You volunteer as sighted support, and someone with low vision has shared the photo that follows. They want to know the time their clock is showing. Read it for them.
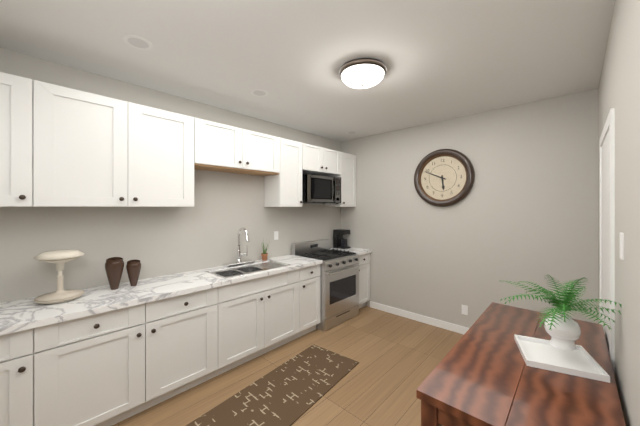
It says 5:49
